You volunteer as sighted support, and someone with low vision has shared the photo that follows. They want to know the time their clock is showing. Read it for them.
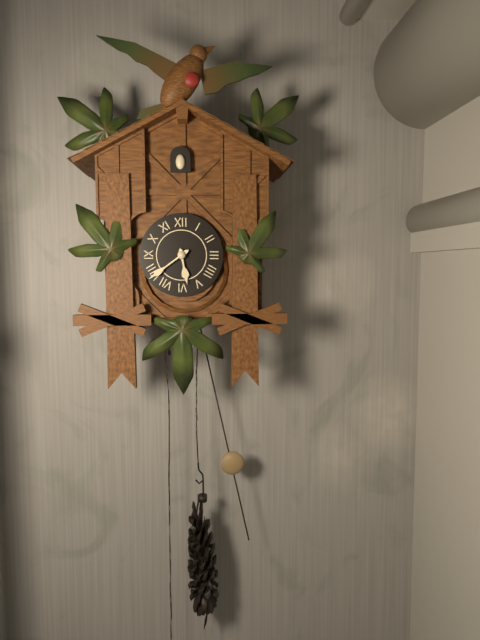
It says 5:39
